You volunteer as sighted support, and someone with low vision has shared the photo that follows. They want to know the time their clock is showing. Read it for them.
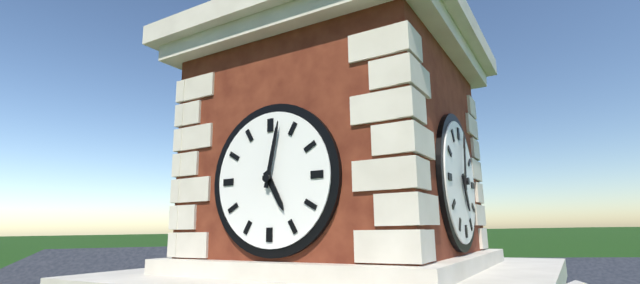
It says 5:02
